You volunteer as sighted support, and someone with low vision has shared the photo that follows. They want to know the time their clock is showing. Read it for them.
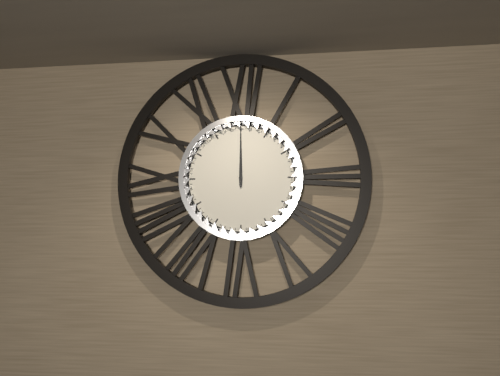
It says 12:00
